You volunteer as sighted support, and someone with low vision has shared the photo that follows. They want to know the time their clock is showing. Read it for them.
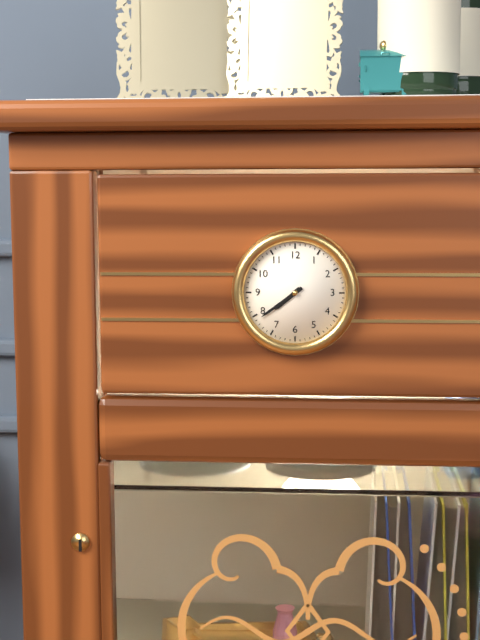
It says 7:39
